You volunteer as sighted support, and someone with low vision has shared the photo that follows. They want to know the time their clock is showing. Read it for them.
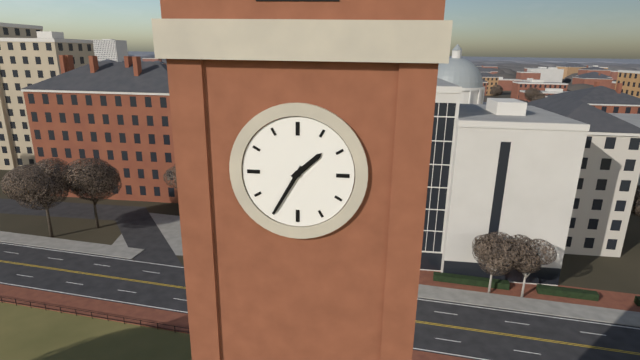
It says 1:35
